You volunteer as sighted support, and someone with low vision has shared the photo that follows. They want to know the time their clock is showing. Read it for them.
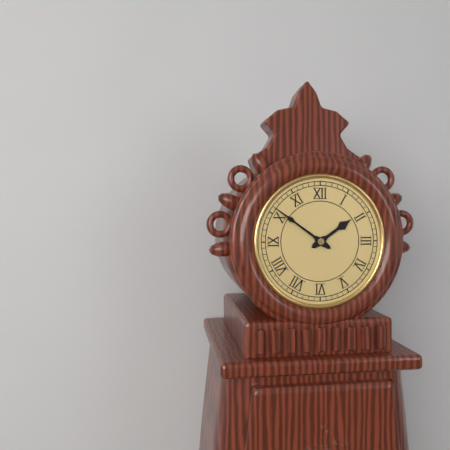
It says 1:51
